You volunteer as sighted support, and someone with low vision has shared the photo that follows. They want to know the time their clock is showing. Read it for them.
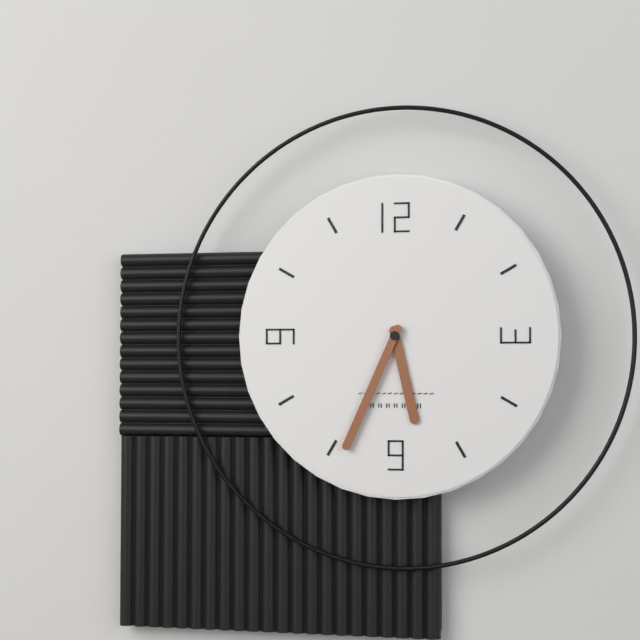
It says 5:34
